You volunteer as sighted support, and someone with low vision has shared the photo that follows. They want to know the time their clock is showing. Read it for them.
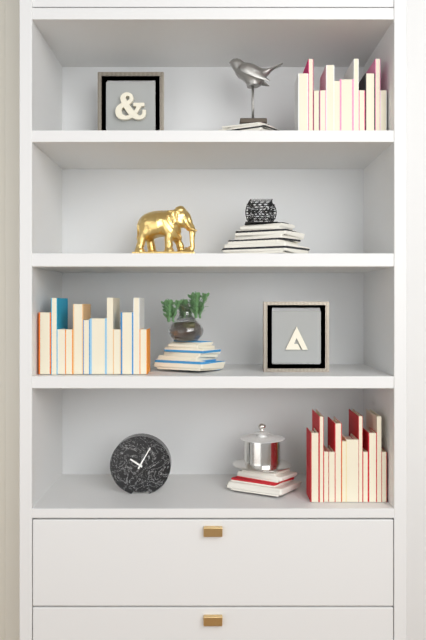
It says 10:05
